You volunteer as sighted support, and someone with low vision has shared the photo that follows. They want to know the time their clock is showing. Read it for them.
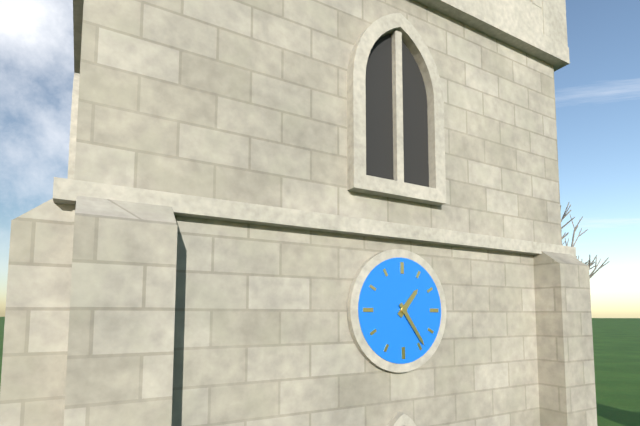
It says 1:24
